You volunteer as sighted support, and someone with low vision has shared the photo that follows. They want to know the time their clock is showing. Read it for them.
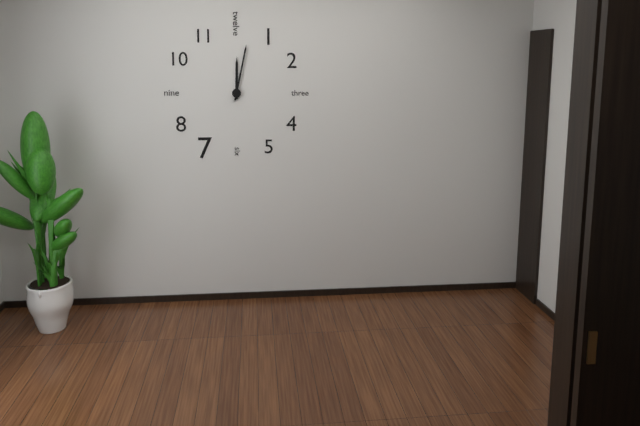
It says 12:02
